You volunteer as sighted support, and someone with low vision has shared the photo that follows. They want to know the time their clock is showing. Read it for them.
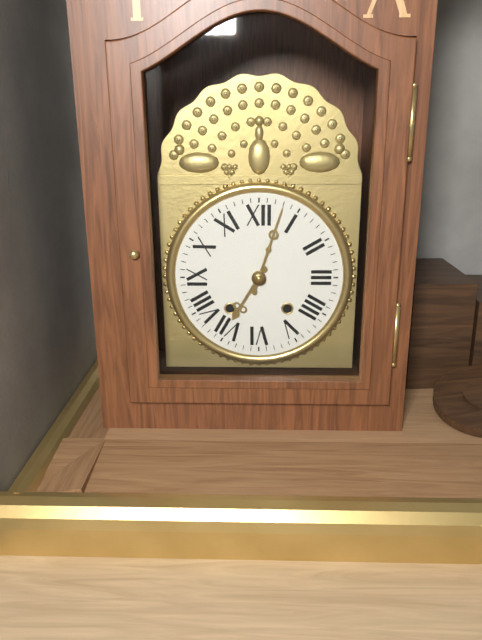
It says 7:03
